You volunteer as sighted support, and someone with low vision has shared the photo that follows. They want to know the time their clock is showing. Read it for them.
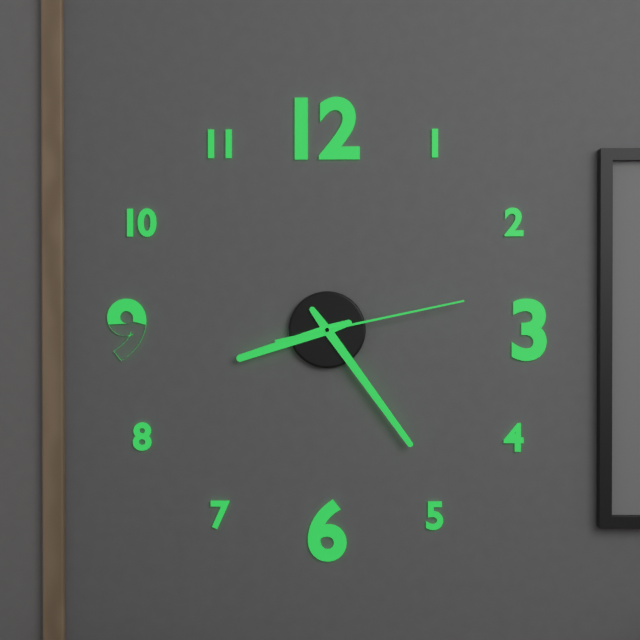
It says 8:24:13
